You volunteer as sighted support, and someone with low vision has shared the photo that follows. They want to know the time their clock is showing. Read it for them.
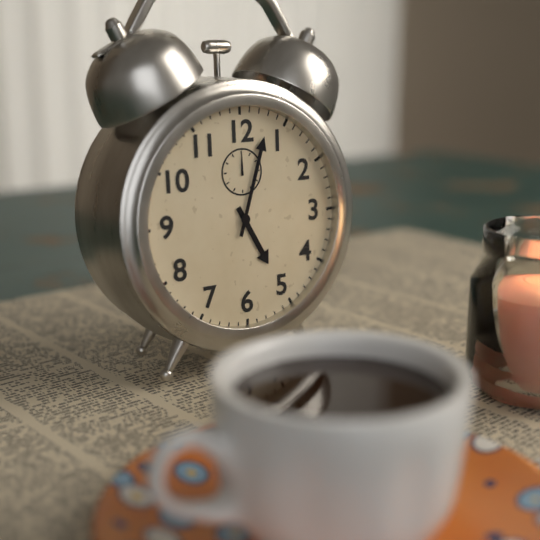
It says 5:03
